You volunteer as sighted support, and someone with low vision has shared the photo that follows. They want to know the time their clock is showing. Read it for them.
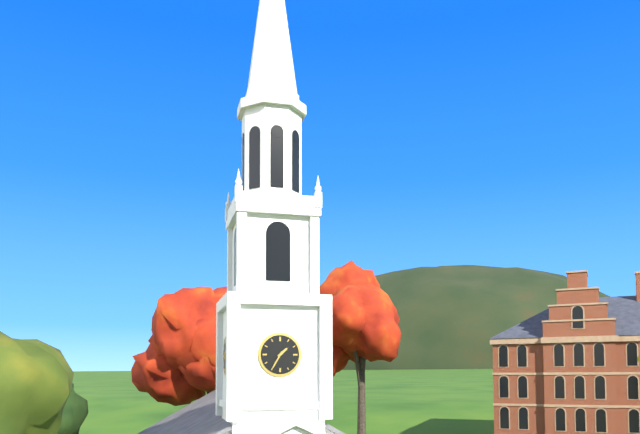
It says 1:35
